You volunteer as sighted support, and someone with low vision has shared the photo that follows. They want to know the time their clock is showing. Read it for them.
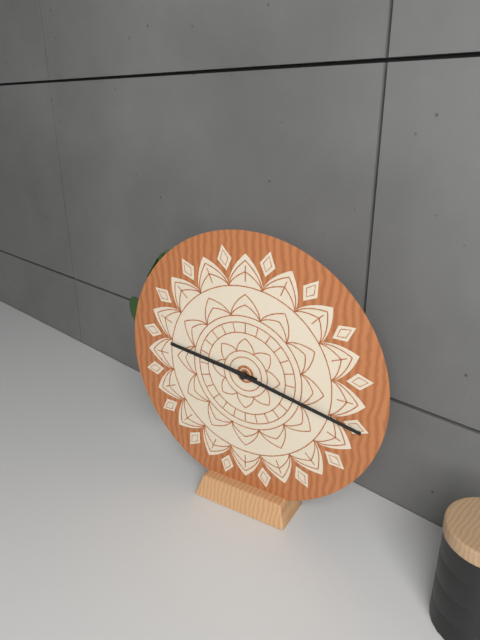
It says 9:17
